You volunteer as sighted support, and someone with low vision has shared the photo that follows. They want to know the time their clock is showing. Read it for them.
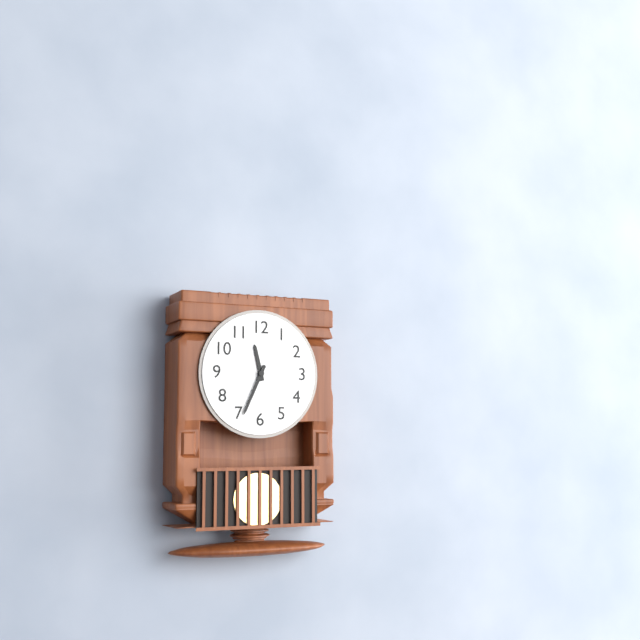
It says 11:34
